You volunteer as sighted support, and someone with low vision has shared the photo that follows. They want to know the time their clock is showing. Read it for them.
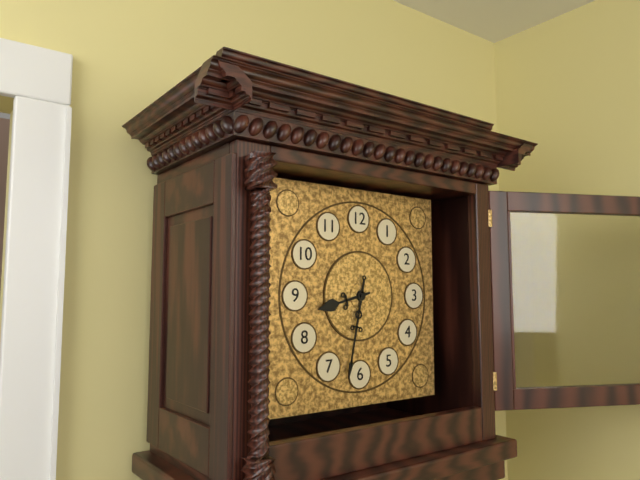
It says 8:32
